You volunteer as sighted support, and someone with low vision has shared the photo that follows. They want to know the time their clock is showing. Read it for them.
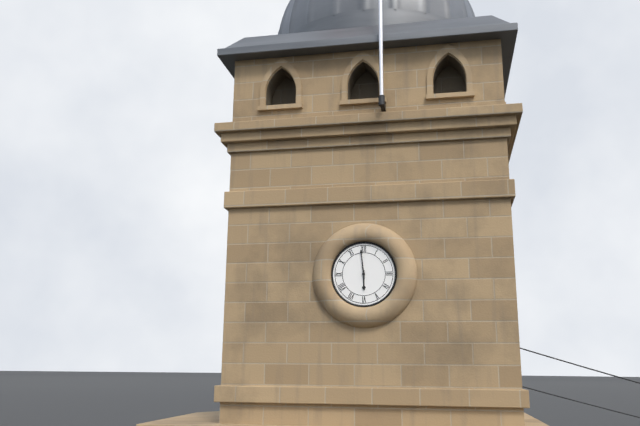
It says 5:59
